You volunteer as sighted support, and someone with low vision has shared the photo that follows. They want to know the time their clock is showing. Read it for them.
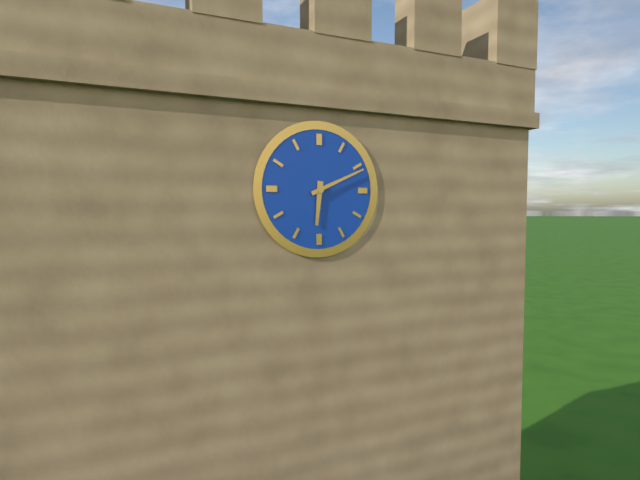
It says 6:11
